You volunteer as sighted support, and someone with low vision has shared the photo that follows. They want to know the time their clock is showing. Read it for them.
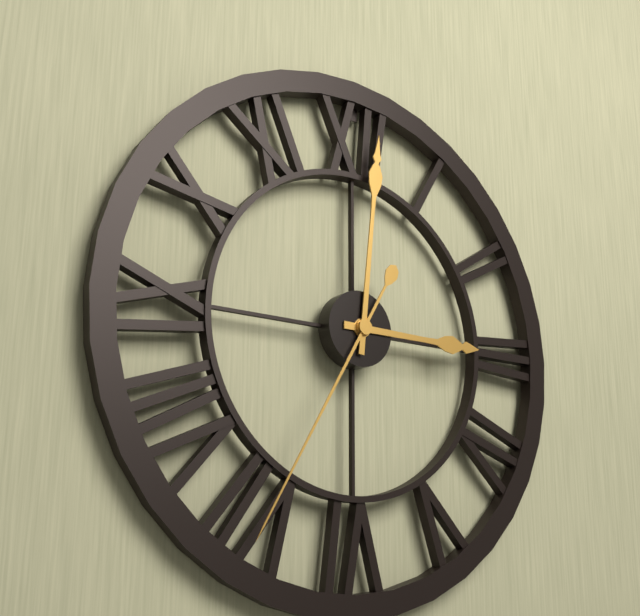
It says 3:01:35
